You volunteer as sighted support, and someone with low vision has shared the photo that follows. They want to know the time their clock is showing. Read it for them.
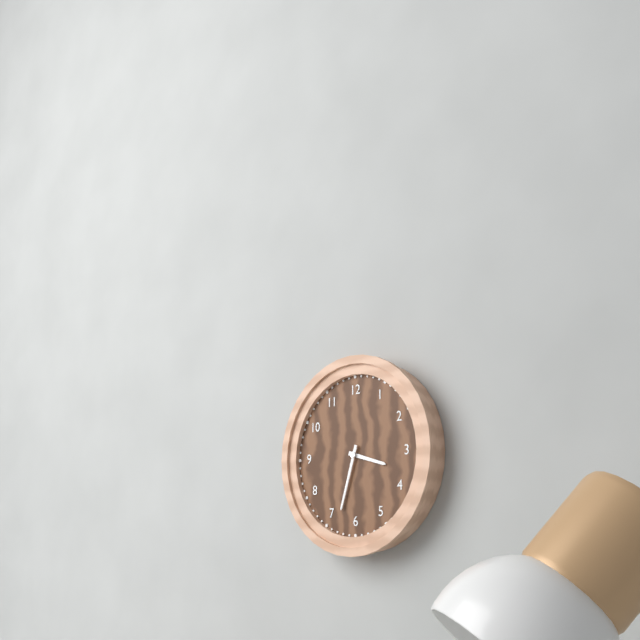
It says 3:33
